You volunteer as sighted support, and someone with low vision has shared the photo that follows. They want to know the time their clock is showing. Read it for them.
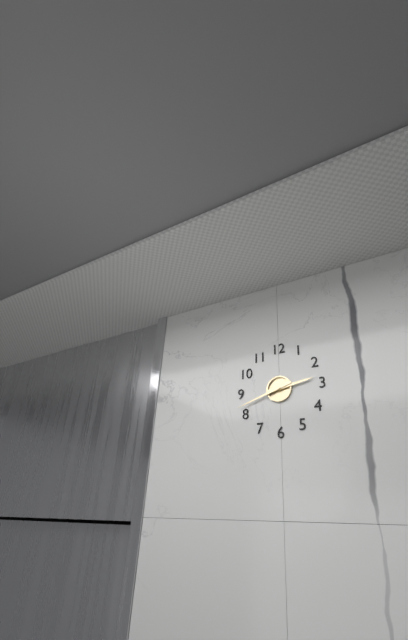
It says 2:42
